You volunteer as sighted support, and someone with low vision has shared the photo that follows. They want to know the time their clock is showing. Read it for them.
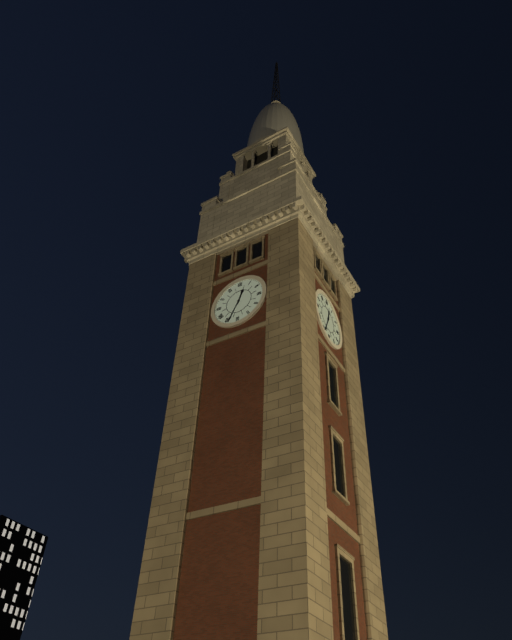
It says 12:34
